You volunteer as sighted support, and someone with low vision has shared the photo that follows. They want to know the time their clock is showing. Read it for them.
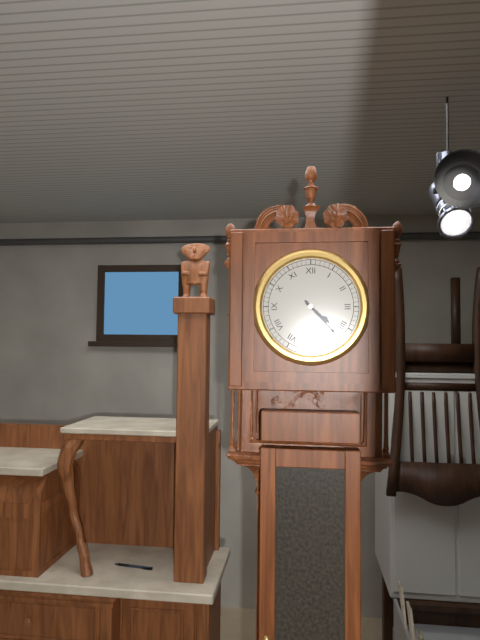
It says 4:23
